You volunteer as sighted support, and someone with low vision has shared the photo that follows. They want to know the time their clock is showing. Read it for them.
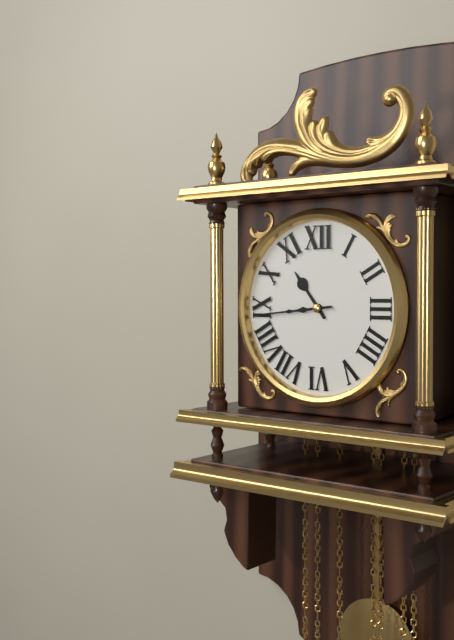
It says 10:44
